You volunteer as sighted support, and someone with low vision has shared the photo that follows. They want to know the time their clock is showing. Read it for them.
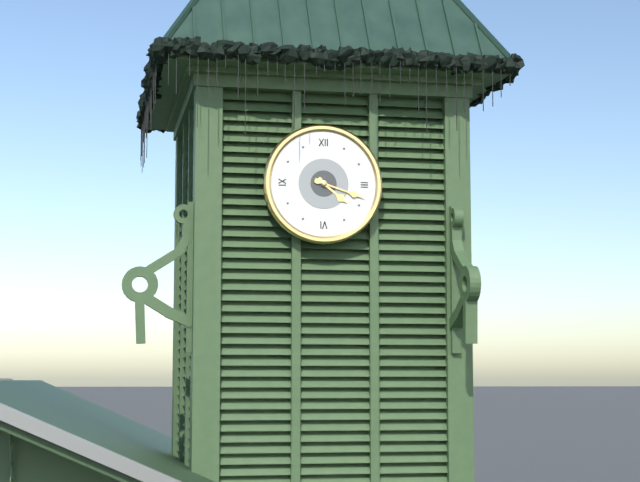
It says 4:18
